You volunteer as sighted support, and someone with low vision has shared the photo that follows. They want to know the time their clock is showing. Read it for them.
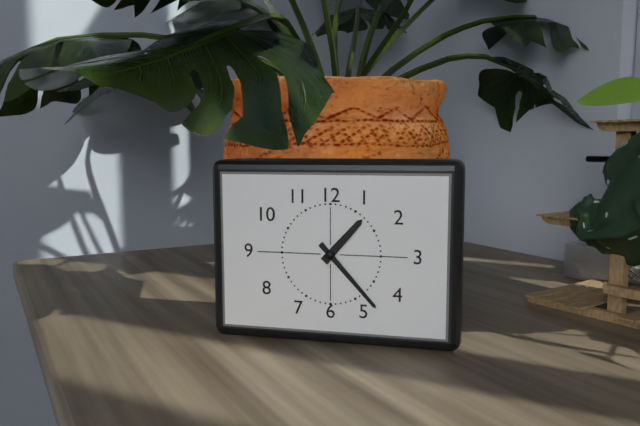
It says 1:23
